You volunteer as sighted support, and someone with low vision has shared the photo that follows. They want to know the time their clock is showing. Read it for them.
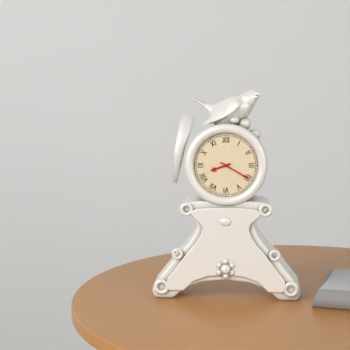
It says 8:20
